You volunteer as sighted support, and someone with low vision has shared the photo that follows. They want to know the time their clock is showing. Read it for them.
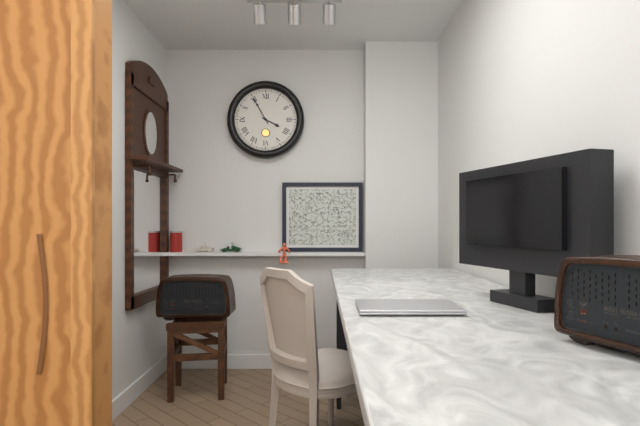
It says 3:55
